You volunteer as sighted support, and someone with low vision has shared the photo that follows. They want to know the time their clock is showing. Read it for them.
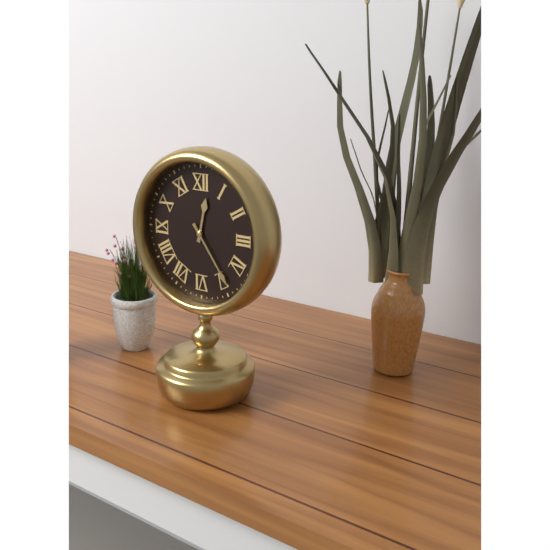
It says 12:24
